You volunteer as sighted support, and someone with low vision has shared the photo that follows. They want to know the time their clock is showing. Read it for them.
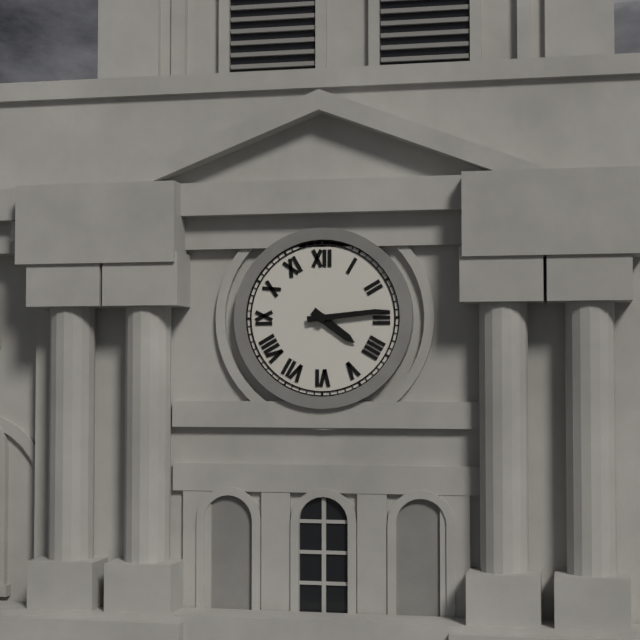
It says 4:14
